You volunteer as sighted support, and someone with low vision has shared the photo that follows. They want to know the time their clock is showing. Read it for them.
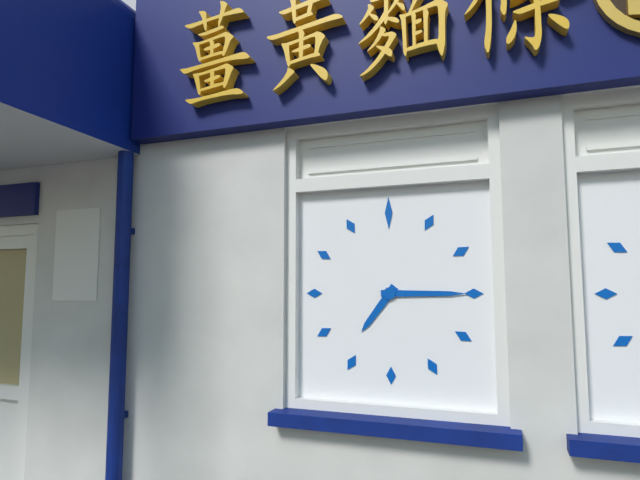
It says 7:15
